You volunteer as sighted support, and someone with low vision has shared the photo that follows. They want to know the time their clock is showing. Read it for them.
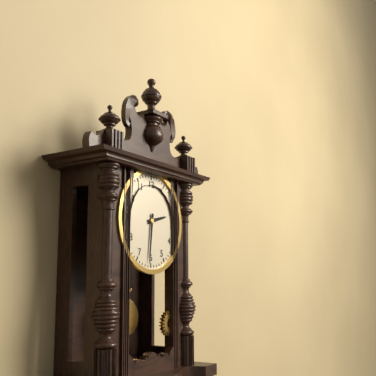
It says 2:31
